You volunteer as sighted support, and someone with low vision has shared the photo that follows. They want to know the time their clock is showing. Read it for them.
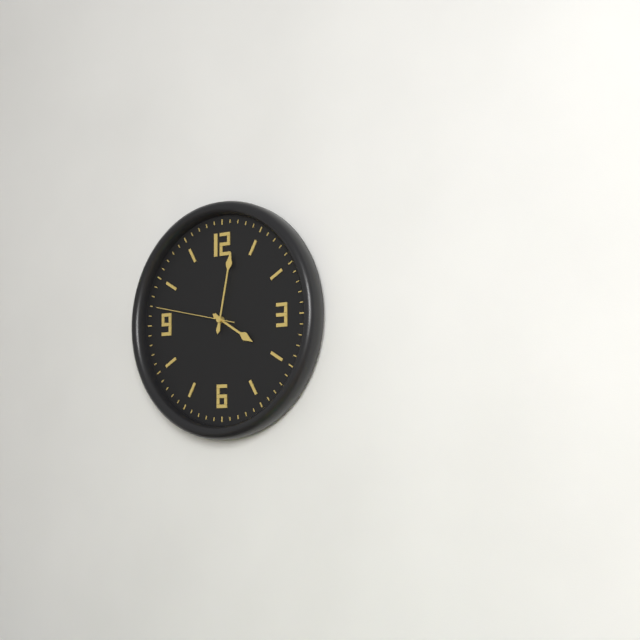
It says 4:02:47
